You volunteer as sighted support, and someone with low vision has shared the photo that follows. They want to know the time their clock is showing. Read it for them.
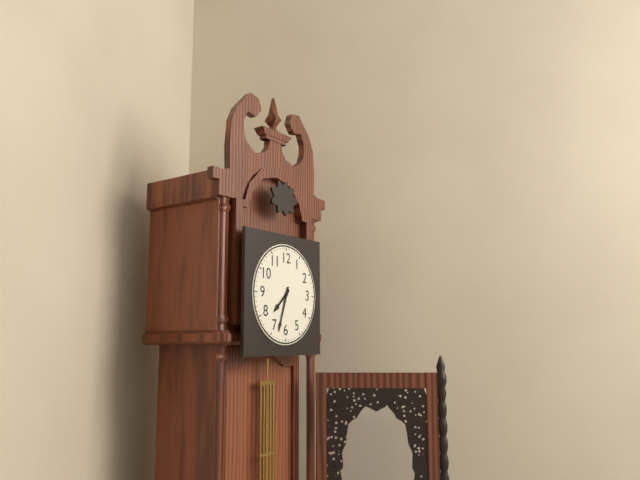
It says 7:33
